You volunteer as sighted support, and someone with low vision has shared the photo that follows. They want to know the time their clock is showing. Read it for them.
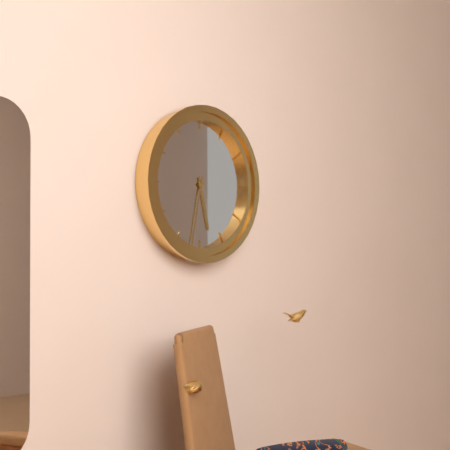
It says 5:32
